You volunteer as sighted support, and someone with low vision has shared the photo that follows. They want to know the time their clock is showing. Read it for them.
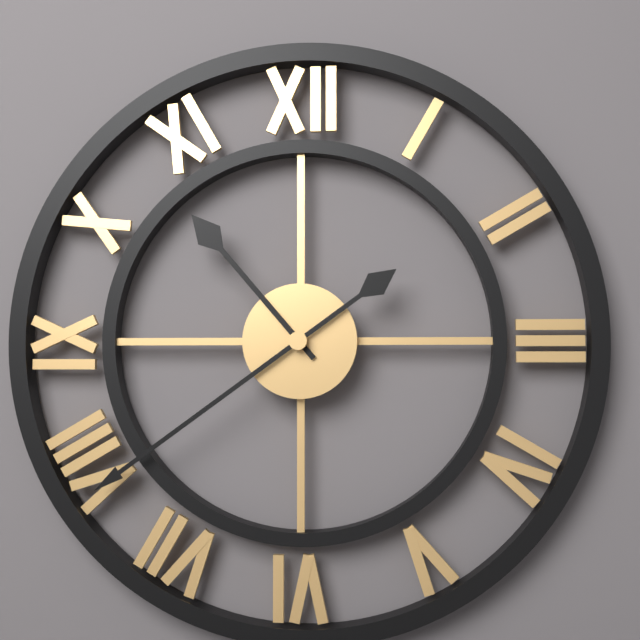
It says 10:39
